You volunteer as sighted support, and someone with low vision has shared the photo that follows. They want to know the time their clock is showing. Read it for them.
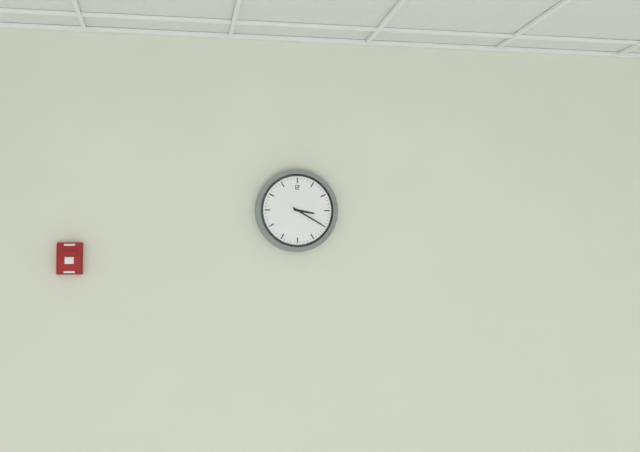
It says 3:20
